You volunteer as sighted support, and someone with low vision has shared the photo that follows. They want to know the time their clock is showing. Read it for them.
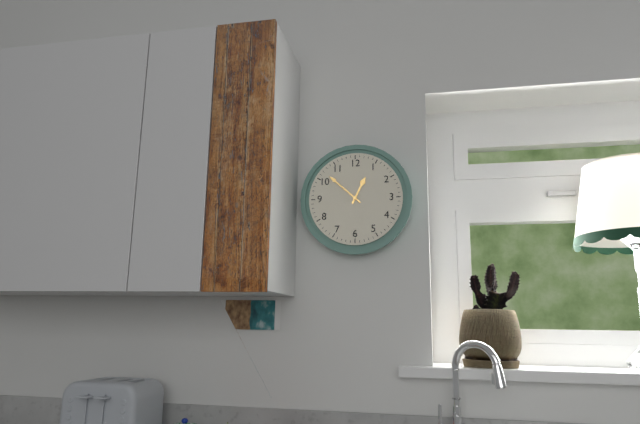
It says 12:52
